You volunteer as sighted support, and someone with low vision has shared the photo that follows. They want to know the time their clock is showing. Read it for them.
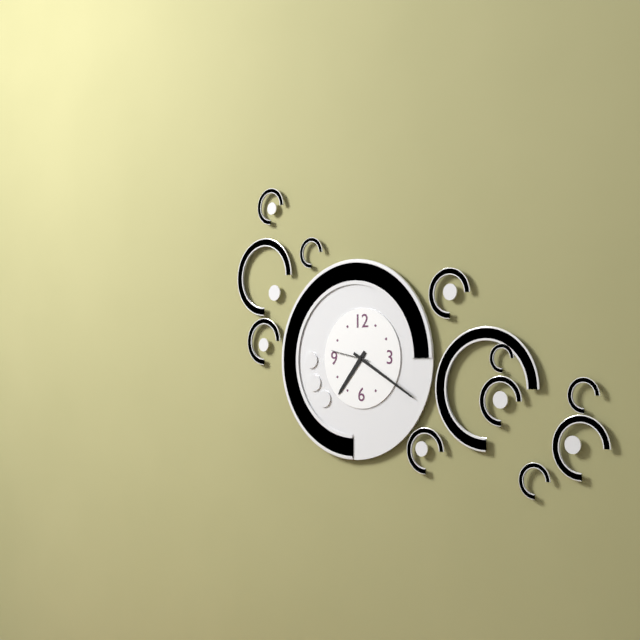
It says 7:20
